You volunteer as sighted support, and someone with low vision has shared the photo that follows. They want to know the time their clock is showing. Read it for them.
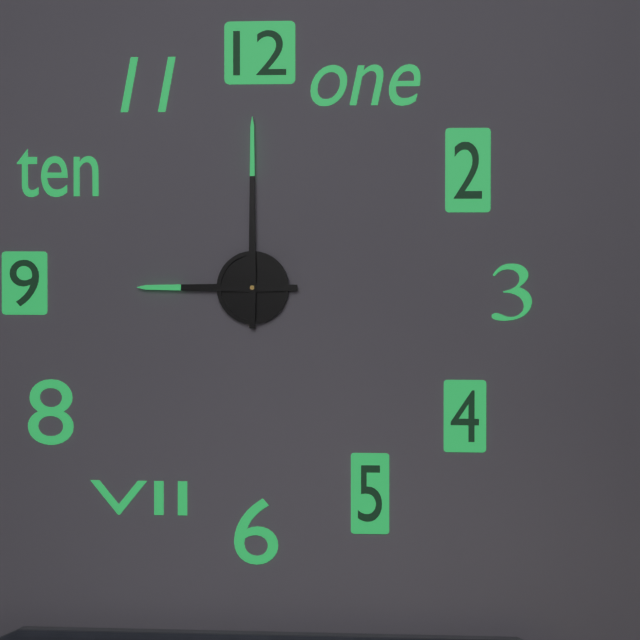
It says 9:00
